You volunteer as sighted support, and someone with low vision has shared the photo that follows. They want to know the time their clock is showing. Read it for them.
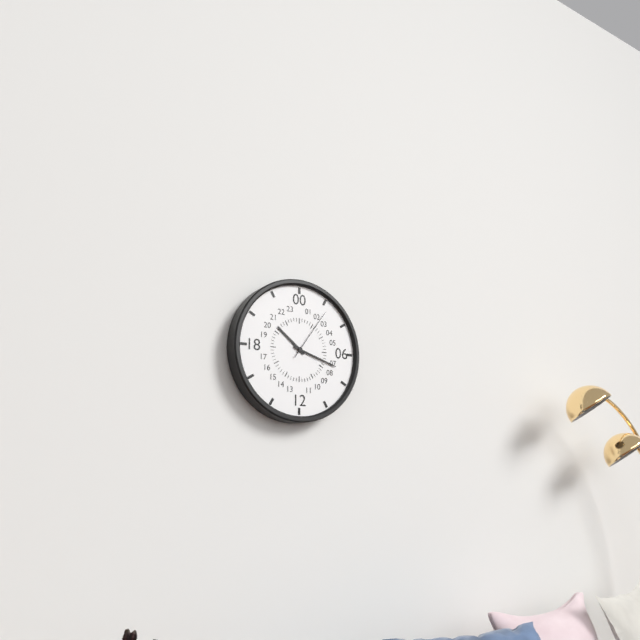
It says 10:18:06
